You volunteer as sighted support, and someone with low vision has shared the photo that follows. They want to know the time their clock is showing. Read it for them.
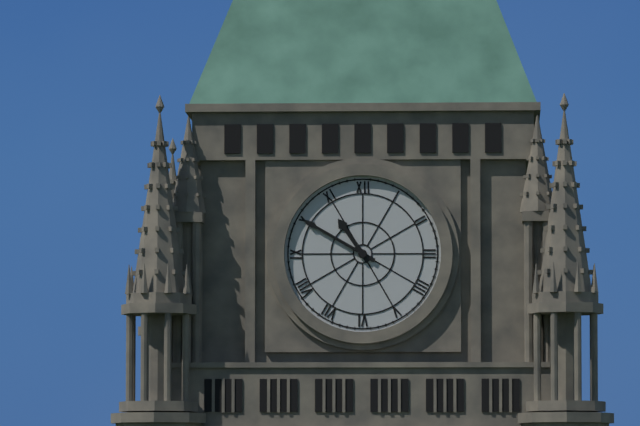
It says 10:50
